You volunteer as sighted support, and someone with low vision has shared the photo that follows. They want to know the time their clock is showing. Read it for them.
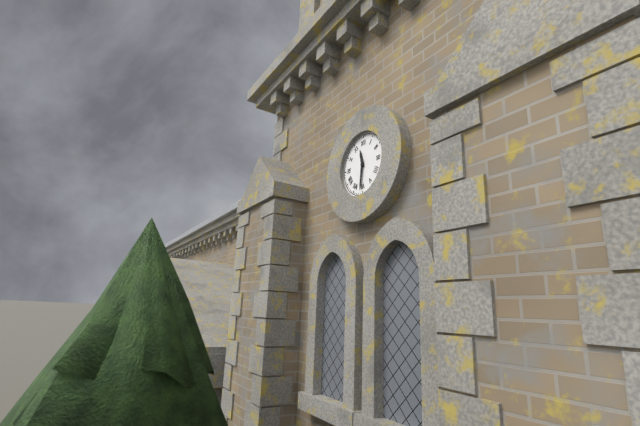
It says 11:31
